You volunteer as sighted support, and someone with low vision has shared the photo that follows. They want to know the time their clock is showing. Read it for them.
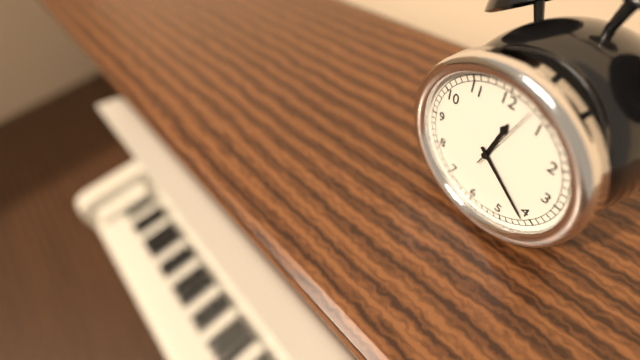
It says 12:21:03
